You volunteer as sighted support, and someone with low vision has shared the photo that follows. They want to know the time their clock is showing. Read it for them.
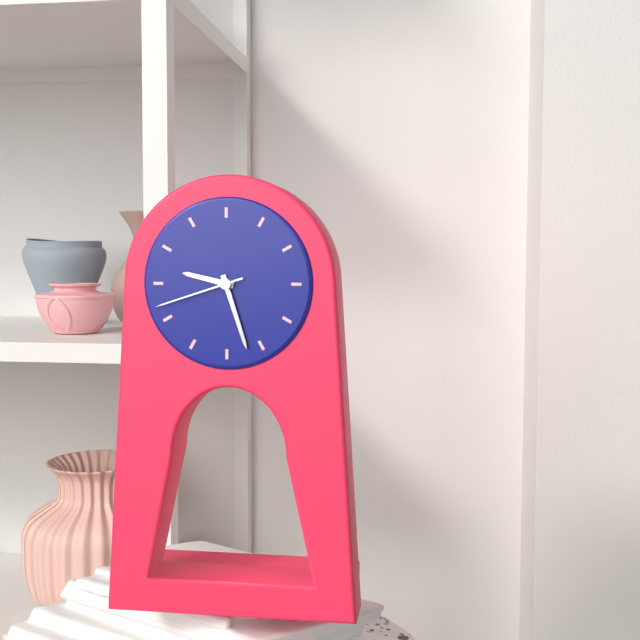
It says 9:27:42
